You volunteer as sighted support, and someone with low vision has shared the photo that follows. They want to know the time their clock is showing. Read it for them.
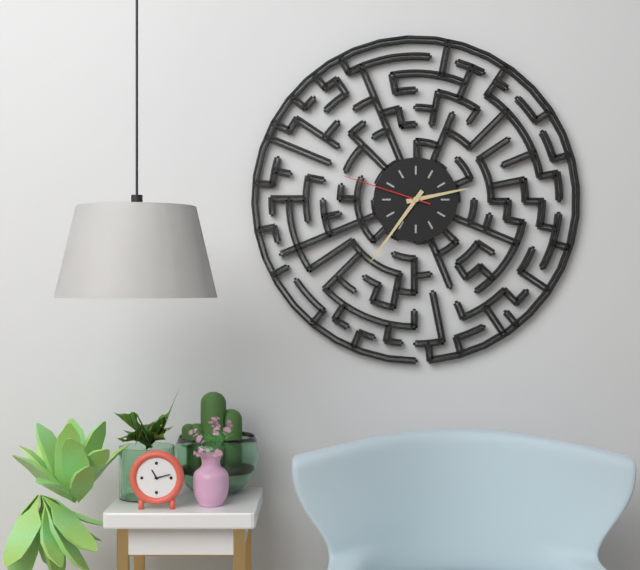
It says 2:36:48
